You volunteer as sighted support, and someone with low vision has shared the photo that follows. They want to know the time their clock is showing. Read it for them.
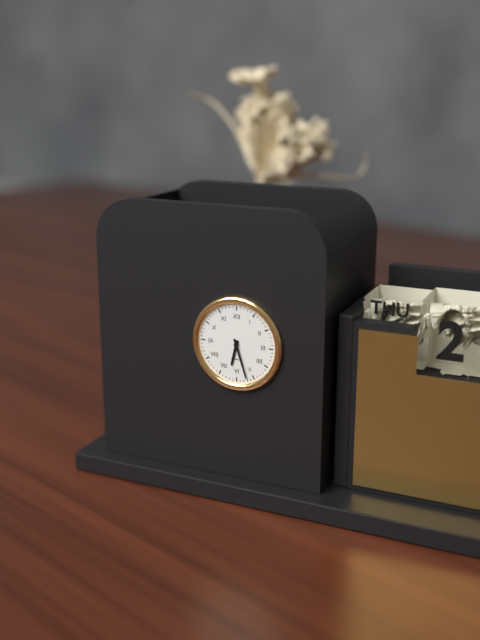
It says 6:27
